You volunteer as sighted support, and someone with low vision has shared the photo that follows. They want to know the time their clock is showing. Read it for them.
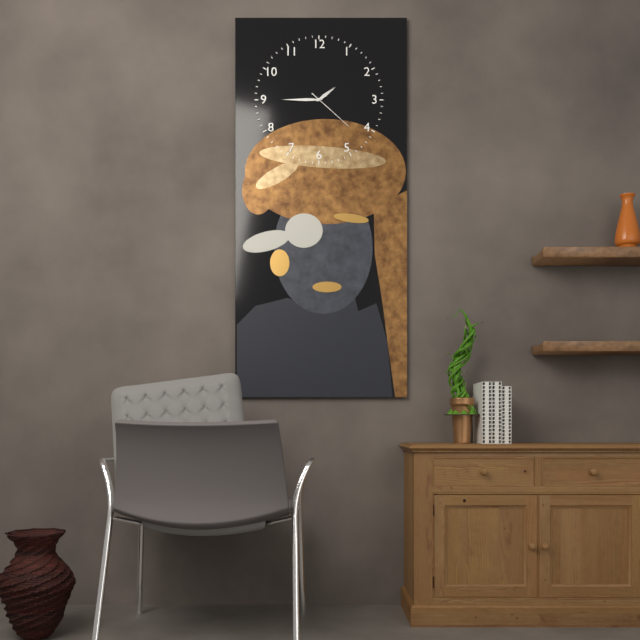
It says 1:45
